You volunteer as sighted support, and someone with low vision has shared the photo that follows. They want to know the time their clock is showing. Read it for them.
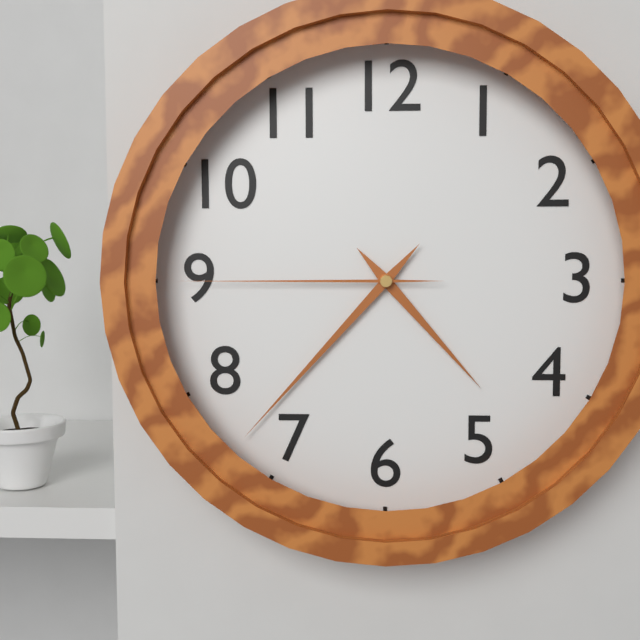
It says 4:37:45
